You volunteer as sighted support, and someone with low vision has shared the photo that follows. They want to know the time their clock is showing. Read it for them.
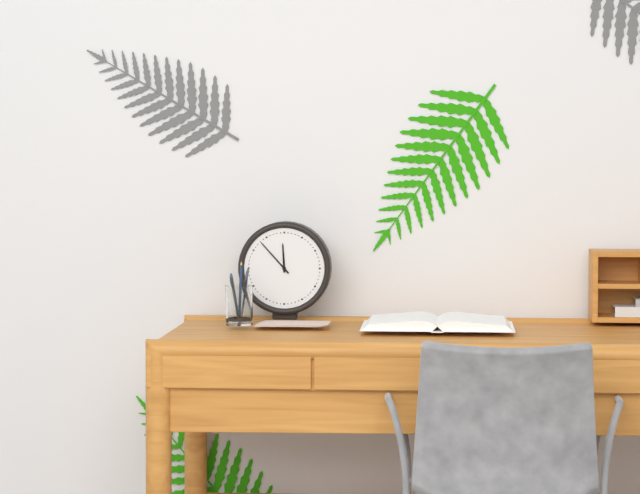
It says 11:53
